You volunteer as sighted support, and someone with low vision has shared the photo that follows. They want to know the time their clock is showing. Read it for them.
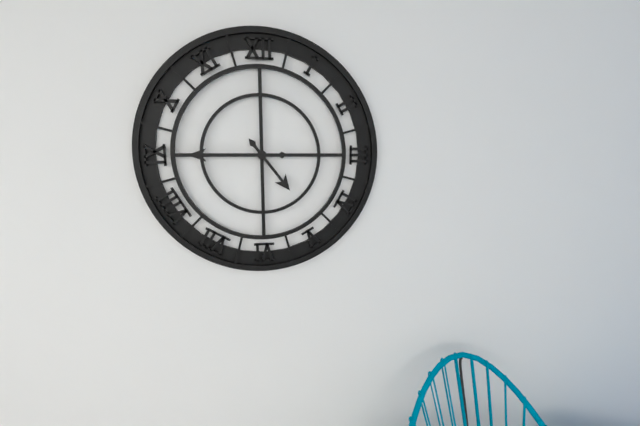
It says 4:45
